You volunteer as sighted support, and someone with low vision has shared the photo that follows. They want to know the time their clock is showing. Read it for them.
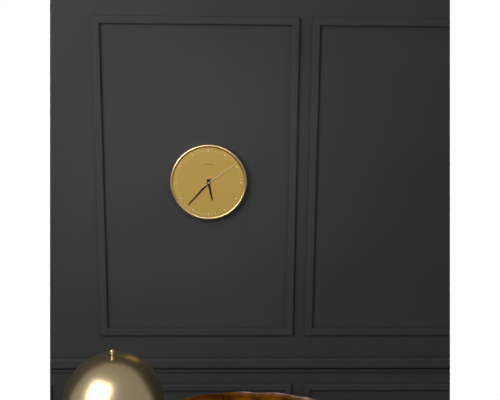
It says 5:37
